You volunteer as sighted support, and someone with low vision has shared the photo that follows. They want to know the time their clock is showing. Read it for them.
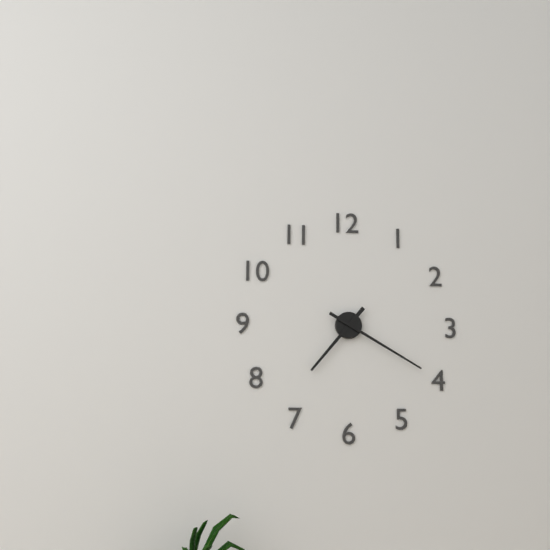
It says 7:20
